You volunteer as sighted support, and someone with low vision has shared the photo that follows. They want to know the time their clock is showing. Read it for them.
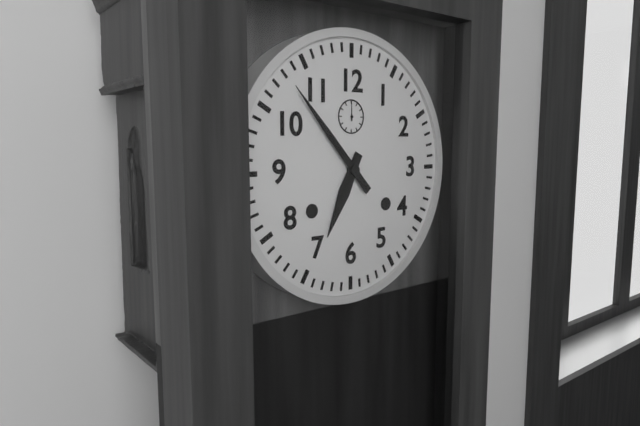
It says 6:53
